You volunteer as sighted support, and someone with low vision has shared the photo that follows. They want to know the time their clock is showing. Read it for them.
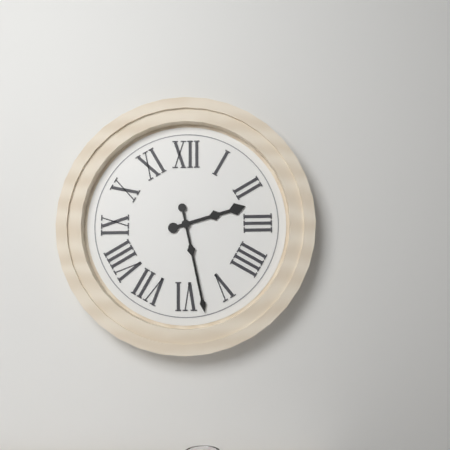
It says 2:28
